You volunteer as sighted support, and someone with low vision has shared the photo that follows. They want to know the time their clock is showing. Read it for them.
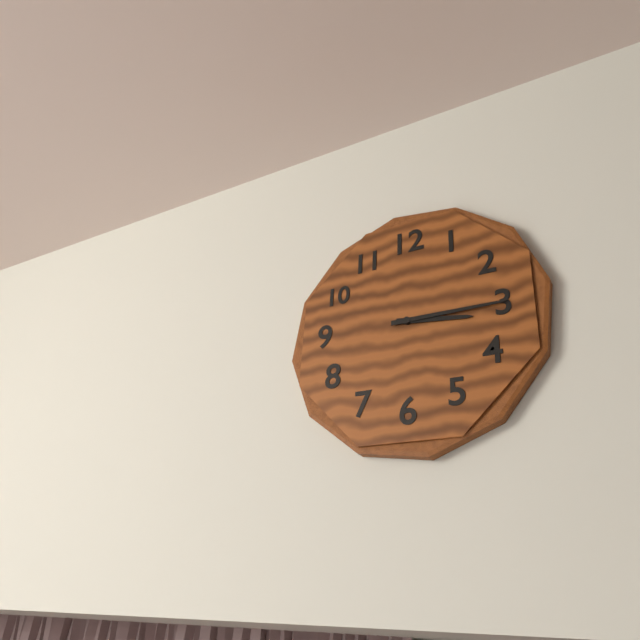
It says 3:15
